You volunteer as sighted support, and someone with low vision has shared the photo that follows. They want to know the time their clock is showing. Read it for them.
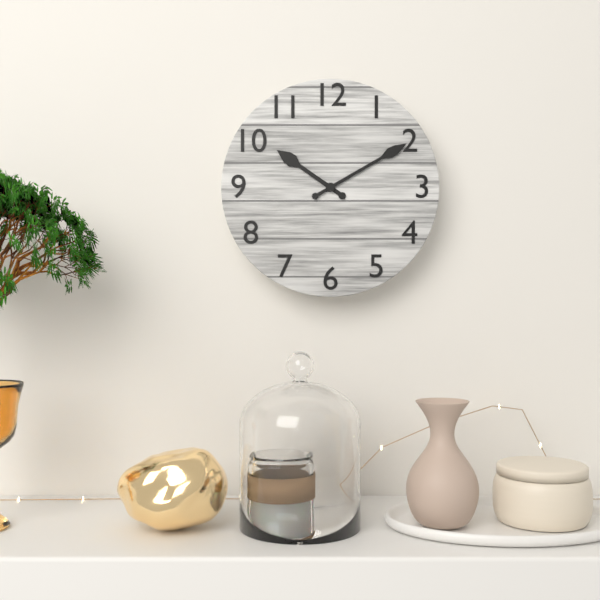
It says 10:10
